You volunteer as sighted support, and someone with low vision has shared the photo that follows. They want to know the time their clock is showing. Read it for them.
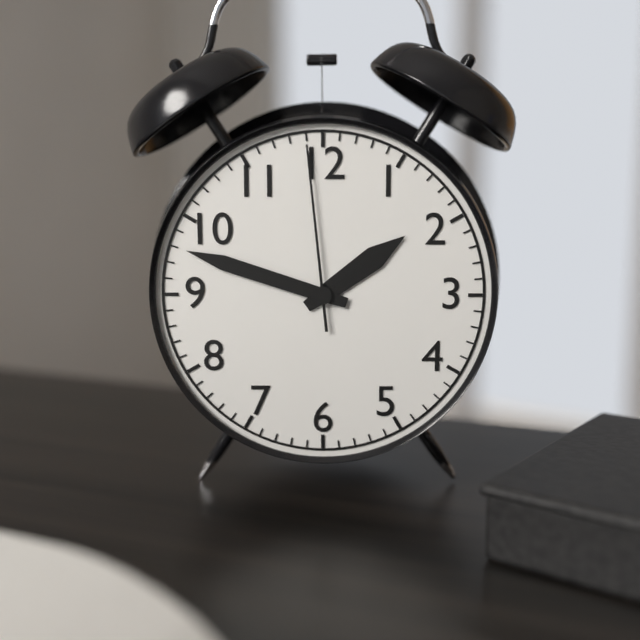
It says 1:48:59
